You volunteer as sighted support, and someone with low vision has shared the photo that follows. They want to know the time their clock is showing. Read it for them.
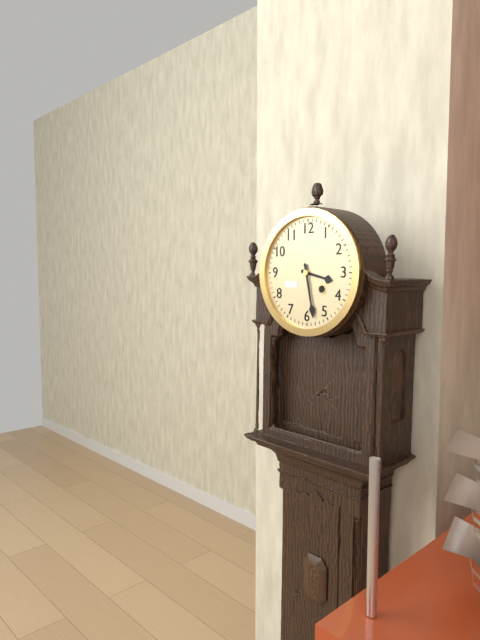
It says 3:28
